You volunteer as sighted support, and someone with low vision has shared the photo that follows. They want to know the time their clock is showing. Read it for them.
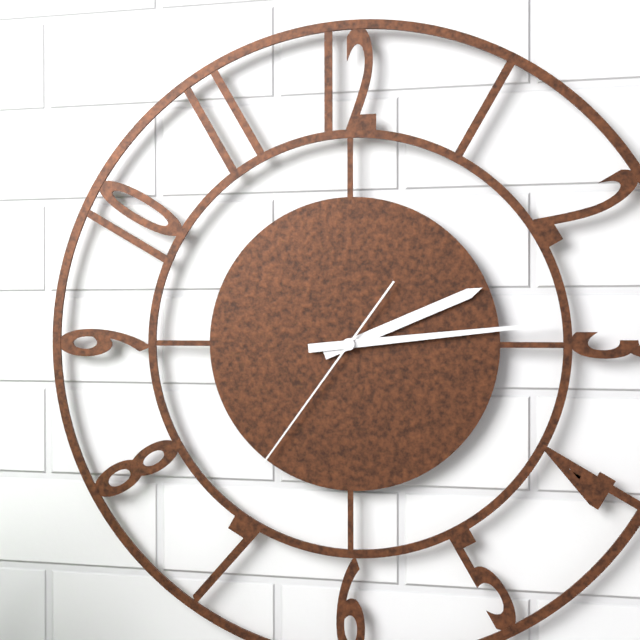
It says 2:14:36
